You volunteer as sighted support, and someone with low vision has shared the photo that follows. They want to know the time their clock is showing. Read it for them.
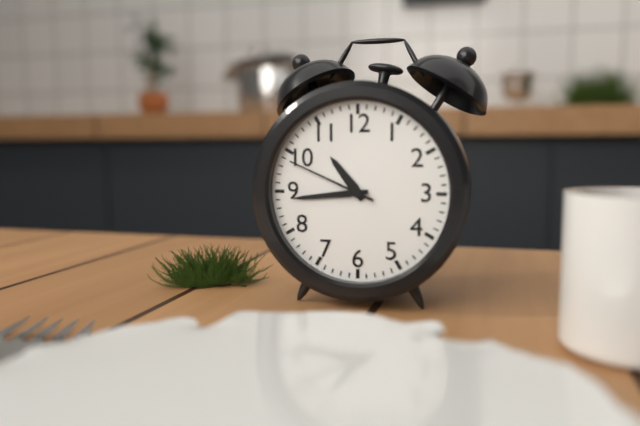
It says 10:44:49
